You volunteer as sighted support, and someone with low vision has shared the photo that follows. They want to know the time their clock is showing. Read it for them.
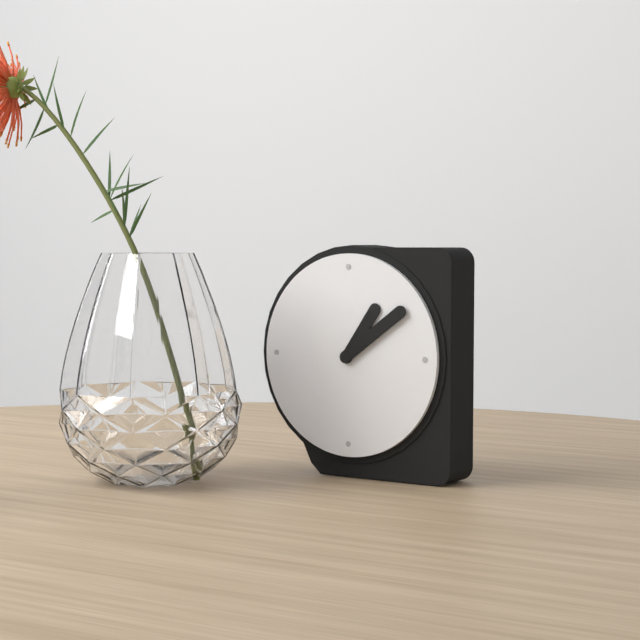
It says 1:09
